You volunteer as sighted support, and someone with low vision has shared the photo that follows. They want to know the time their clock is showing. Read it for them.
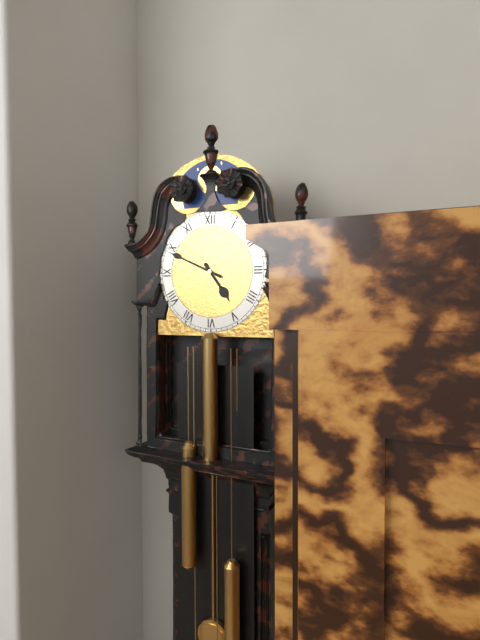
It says 4:49
